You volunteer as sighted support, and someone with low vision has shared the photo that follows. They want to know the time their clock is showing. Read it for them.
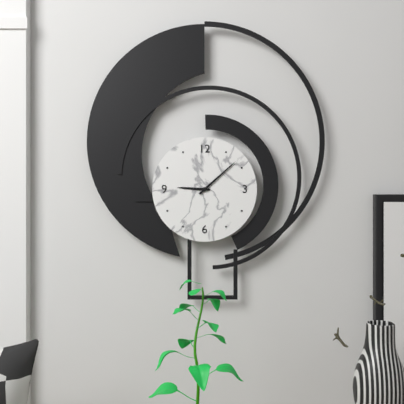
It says 9:08
